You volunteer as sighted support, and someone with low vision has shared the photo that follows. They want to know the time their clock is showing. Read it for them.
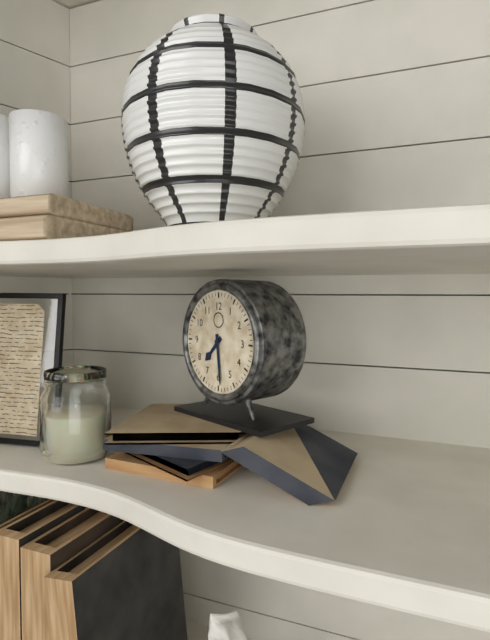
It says 7:29
